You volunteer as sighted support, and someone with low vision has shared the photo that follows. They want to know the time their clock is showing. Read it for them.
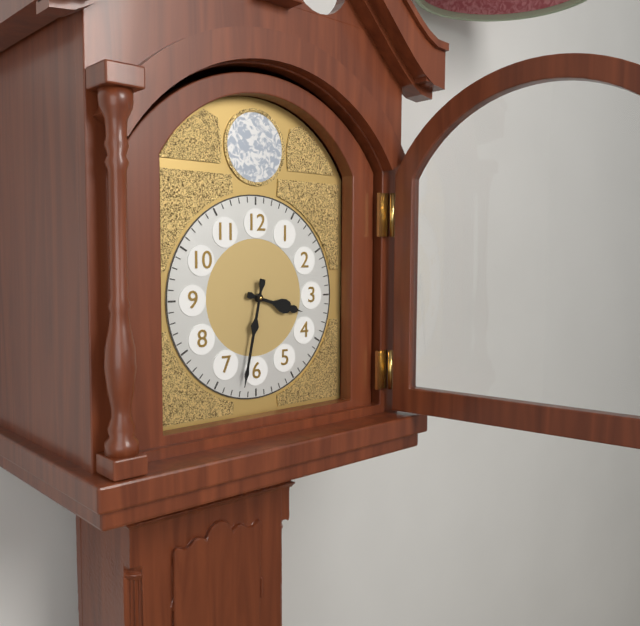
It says 3:32
